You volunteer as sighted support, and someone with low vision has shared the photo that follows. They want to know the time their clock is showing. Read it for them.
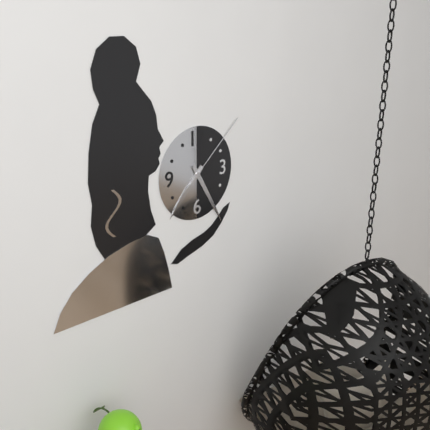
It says 7:25:08
